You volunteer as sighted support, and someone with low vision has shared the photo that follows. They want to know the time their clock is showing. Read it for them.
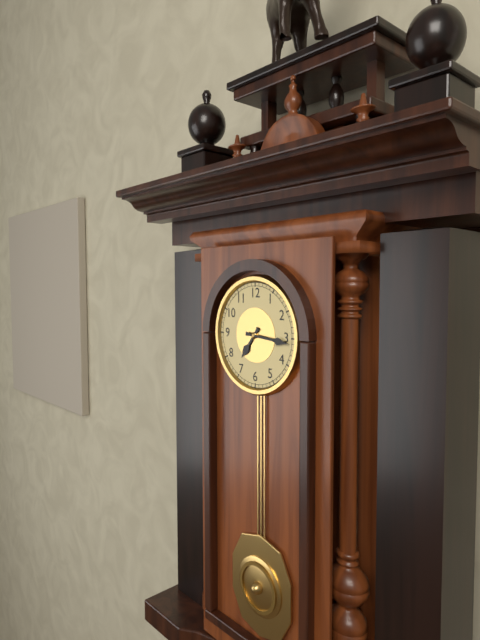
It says 7:16
